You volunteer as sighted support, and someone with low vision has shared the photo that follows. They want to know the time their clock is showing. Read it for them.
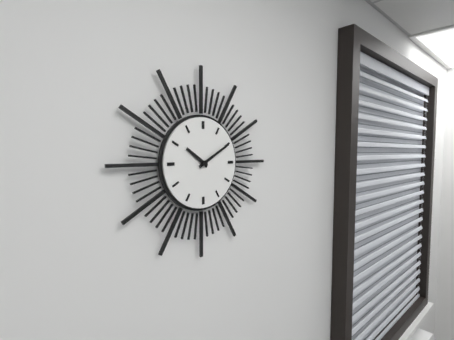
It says 10:10
